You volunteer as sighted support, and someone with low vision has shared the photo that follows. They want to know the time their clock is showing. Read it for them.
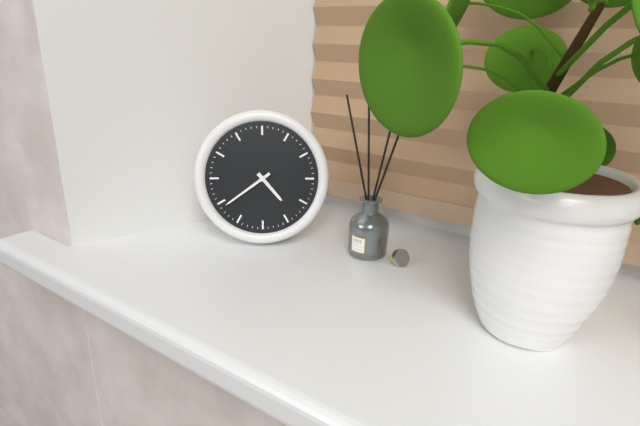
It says 4:39
